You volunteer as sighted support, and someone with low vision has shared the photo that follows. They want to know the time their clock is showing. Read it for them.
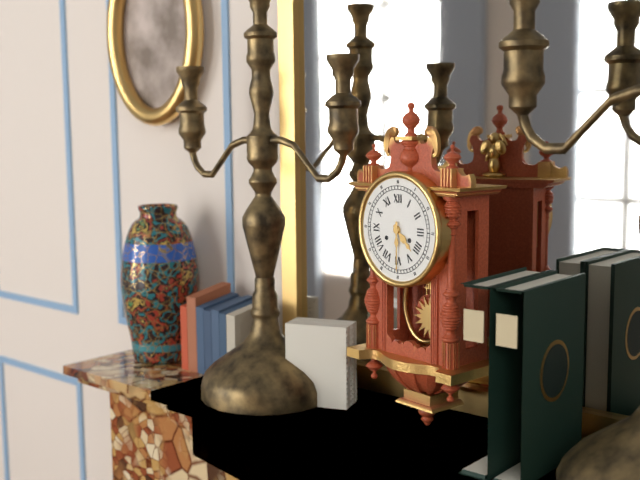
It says 4:30
